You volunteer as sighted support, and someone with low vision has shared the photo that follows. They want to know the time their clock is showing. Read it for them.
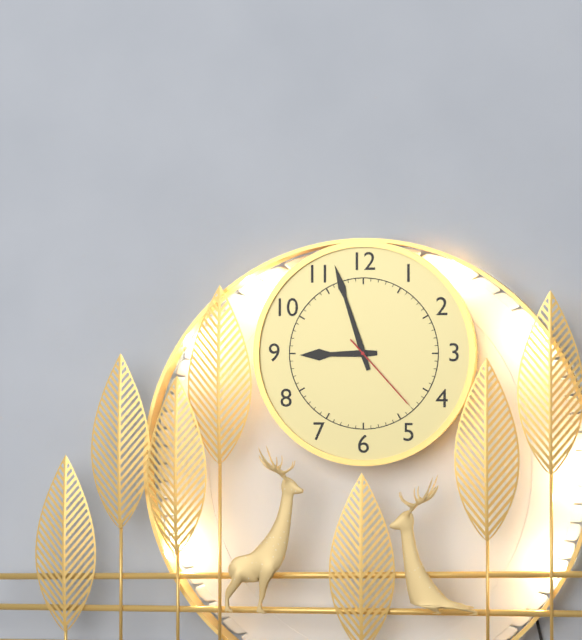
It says 8:57:23
